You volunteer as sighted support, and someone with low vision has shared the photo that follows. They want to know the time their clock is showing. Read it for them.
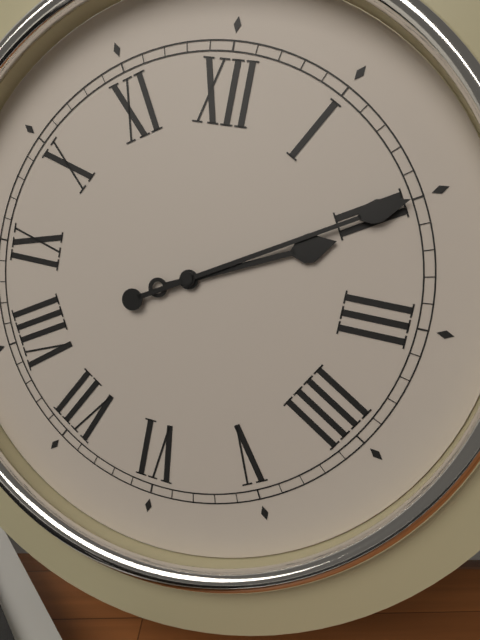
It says 2:10
